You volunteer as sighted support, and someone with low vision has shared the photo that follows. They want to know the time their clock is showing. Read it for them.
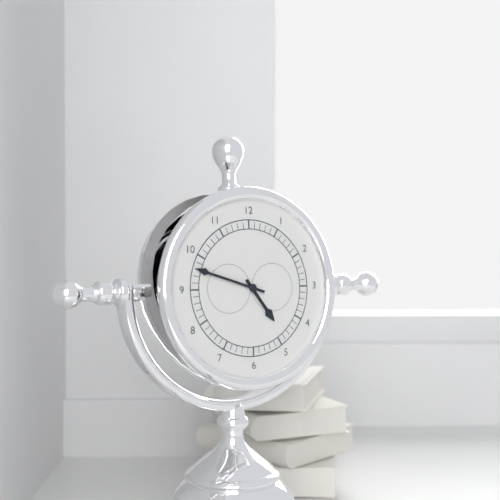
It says 4:48
